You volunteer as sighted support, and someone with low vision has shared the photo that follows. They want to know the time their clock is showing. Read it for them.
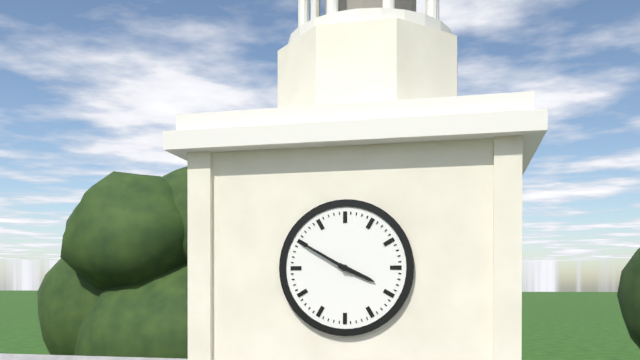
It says 3:50
